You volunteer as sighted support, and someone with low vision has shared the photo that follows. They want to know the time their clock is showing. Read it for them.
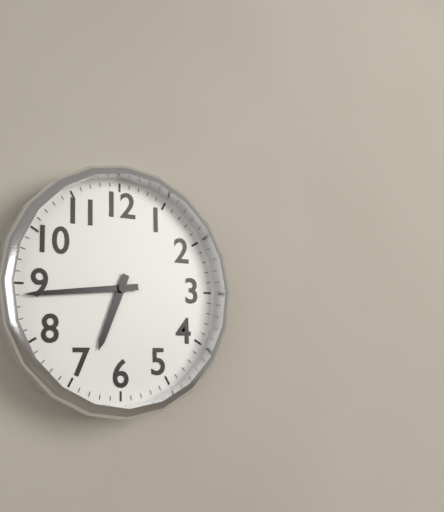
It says 6:44
